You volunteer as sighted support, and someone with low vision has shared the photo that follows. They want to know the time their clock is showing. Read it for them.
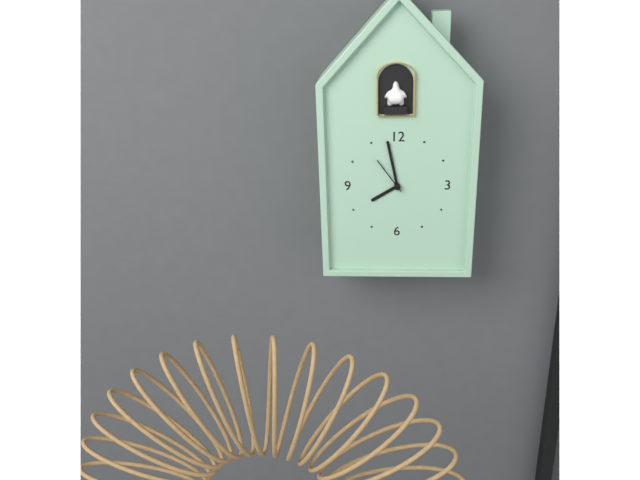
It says 7:58
